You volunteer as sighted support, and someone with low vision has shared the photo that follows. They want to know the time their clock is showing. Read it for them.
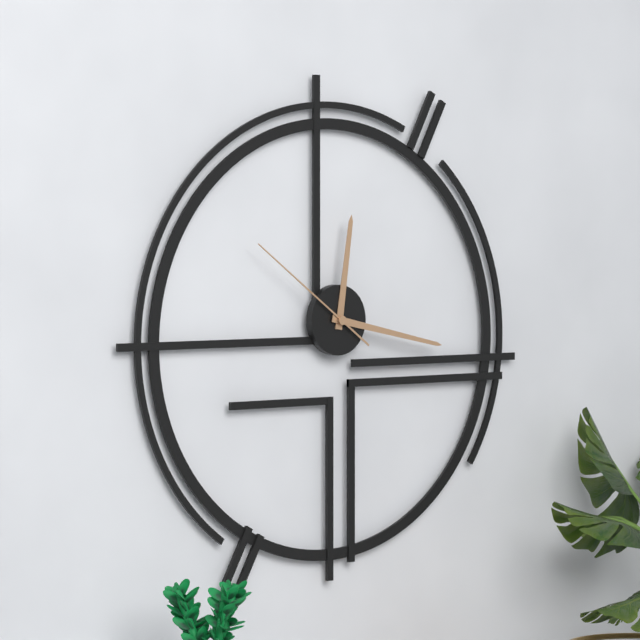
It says 12:17:51
